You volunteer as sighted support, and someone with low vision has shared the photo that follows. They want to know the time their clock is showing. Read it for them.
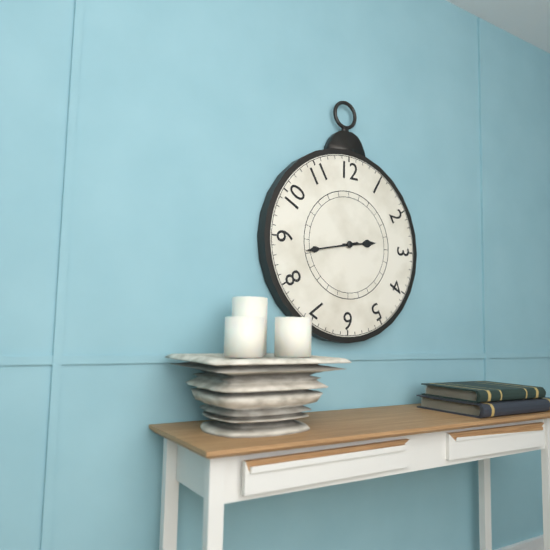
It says 2:43
